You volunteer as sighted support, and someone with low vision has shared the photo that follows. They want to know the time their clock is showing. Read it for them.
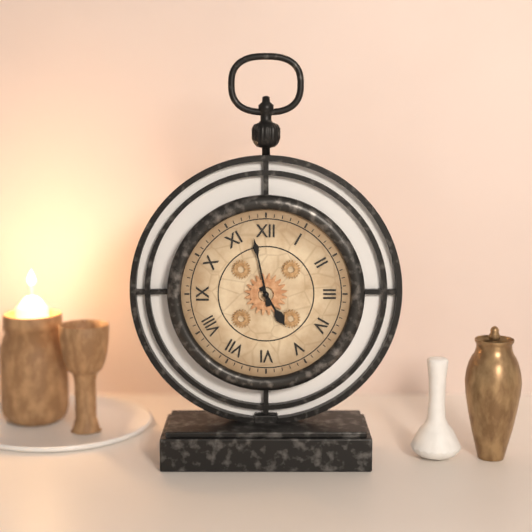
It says 4:58
